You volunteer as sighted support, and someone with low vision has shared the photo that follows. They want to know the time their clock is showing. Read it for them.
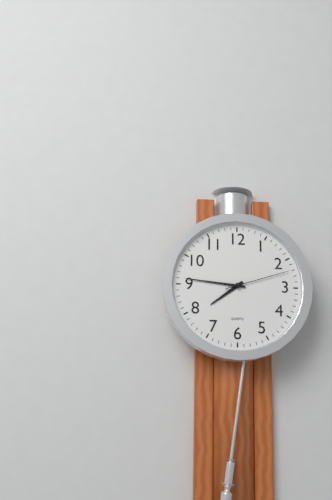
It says 7:46:12
